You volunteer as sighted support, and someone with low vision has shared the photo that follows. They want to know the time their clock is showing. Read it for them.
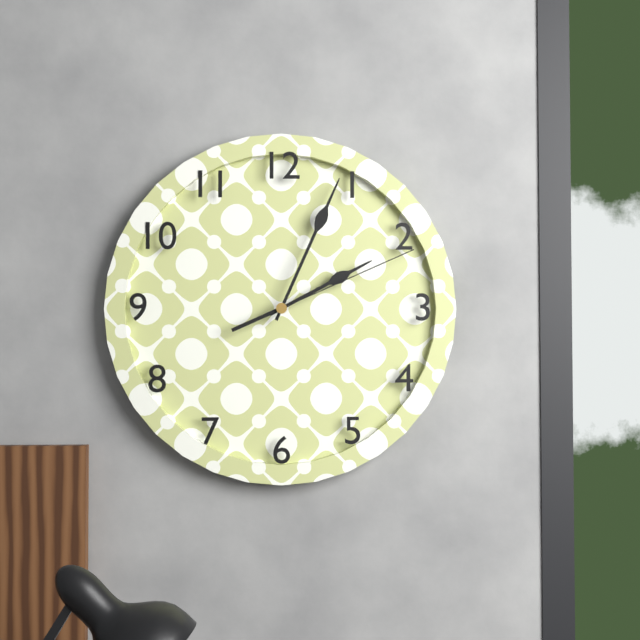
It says 2:04:11
